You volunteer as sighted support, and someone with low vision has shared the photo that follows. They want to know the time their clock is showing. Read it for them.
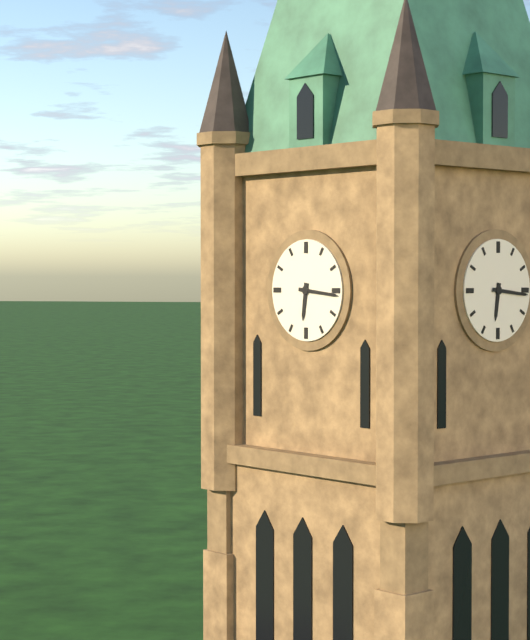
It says 6:16
